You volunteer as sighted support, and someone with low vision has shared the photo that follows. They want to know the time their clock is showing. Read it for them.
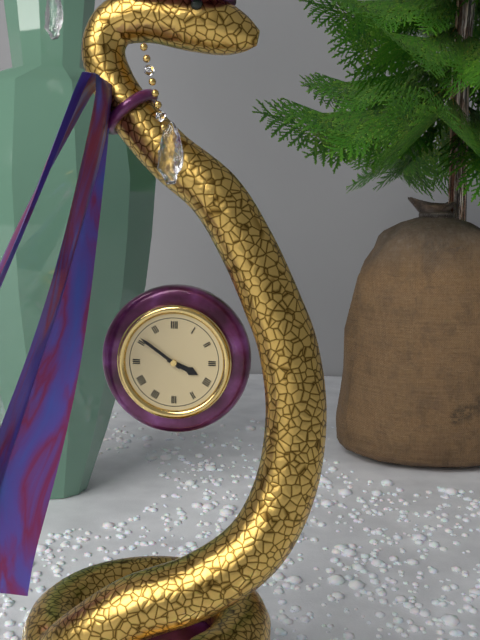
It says 3:51
